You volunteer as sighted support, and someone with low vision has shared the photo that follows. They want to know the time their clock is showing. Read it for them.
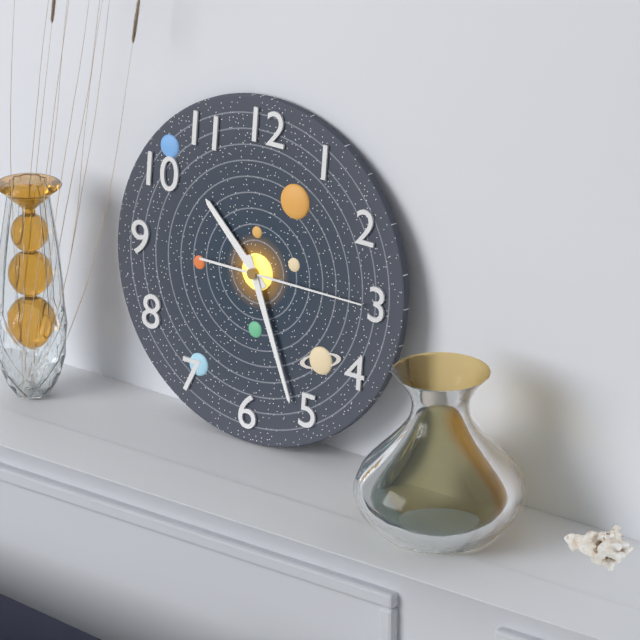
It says 10:26:15
